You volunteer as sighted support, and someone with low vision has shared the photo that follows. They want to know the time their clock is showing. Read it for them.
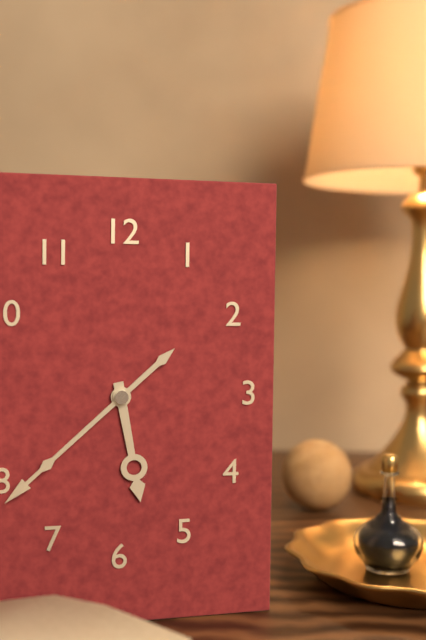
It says 5:38
